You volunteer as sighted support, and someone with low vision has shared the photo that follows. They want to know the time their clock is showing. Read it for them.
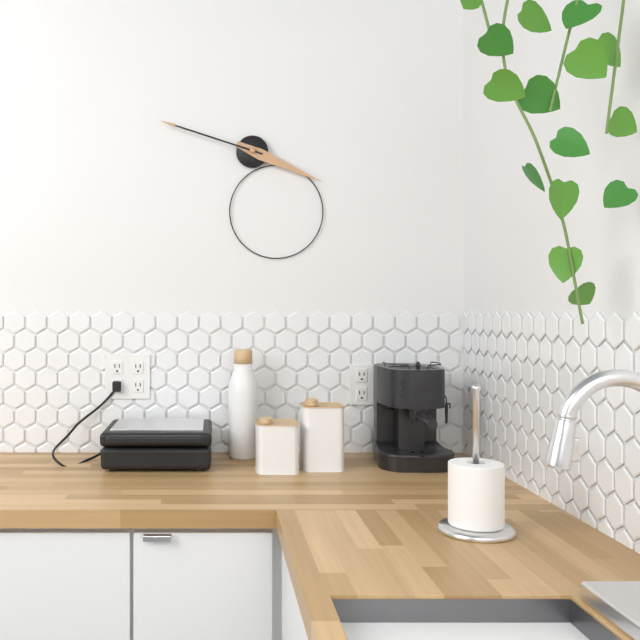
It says 3:48
